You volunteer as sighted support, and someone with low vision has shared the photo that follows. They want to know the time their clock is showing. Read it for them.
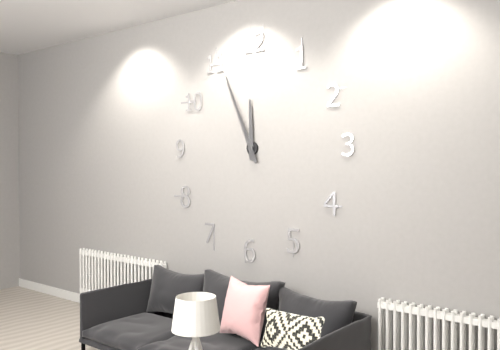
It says 11:56
